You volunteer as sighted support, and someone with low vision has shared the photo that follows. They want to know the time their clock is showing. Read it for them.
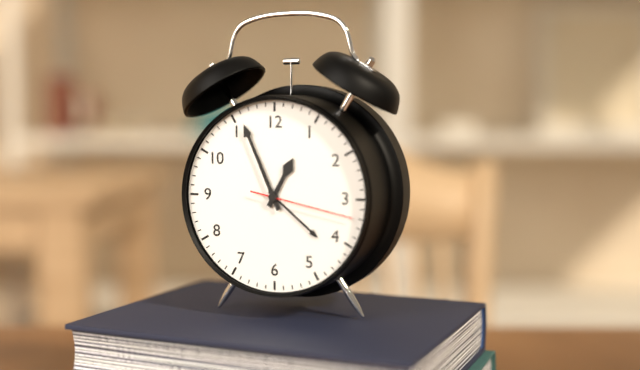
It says 12:56:17
